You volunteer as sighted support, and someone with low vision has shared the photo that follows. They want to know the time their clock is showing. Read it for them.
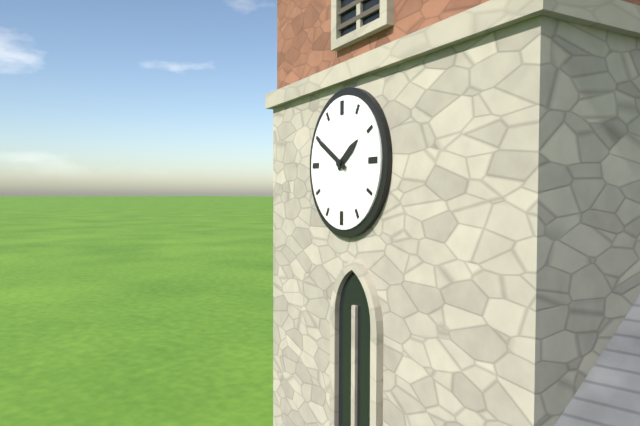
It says 1:50
